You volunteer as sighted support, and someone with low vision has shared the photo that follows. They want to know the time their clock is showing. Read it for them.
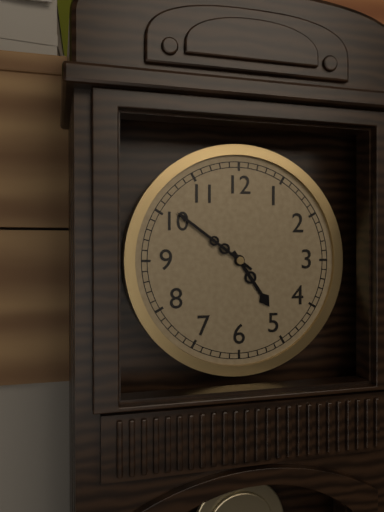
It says 4:51
